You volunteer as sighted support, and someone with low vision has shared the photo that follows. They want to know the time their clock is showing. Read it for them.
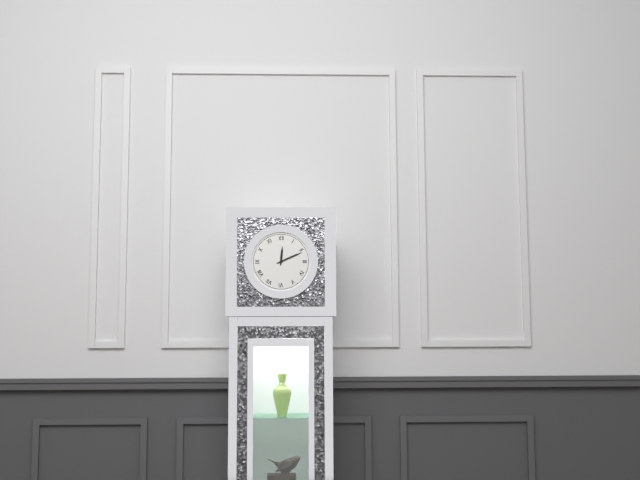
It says 12:11
